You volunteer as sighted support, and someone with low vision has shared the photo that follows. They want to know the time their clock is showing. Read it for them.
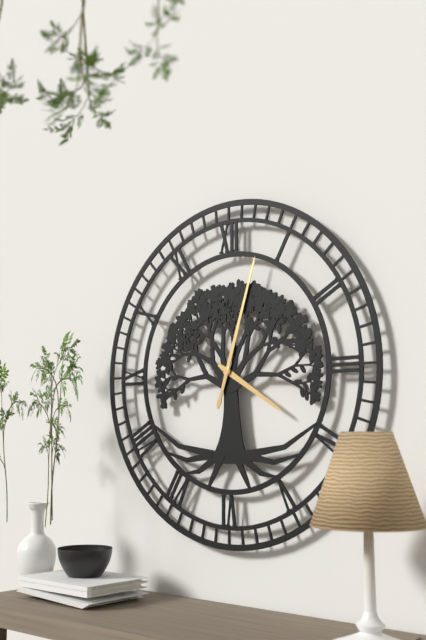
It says 4:03
